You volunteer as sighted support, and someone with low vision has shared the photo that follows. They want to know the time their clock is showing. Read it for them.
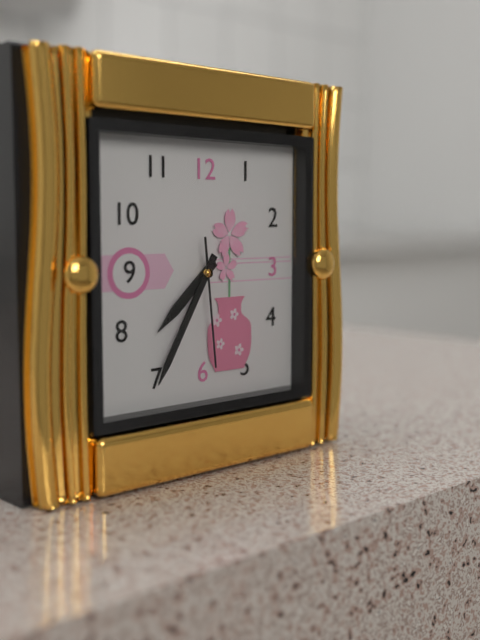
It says 7:35:29
